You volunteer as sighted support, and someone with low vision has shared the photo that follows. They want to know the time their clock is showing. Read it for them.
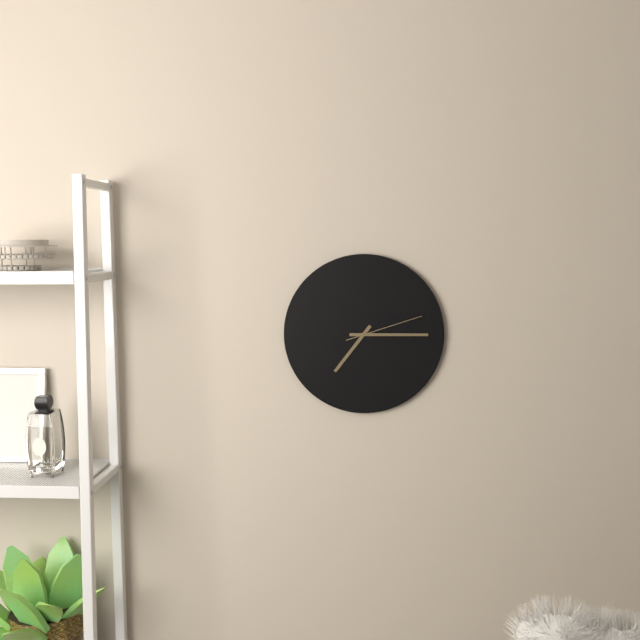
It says 7:15:12
